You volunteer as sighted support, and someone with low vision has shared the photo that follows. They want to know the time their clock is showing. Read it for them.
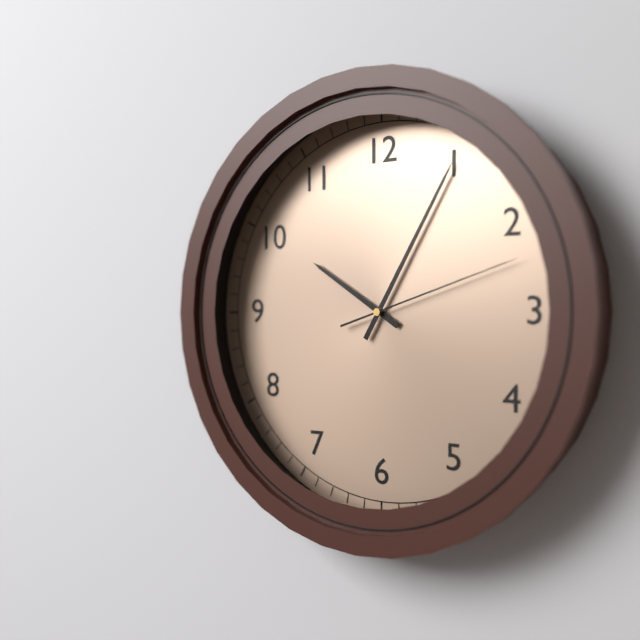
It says 10:05:12
